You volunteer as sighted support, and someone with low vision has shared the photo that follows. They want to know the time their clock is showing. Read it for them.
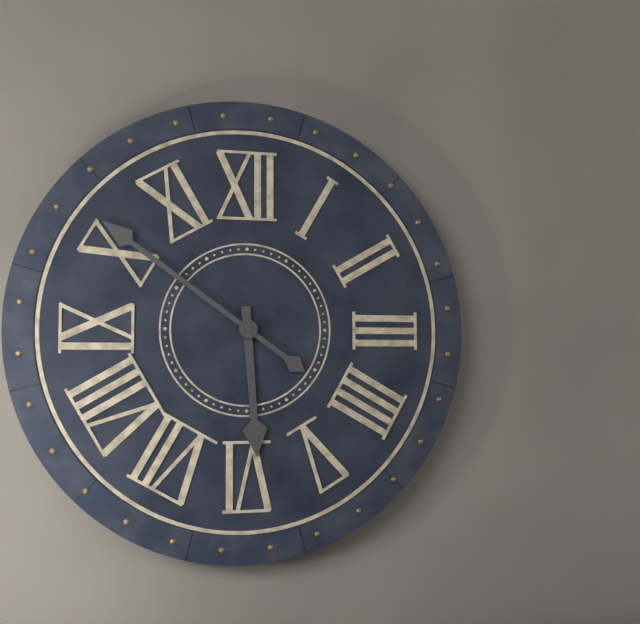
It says 5:51
